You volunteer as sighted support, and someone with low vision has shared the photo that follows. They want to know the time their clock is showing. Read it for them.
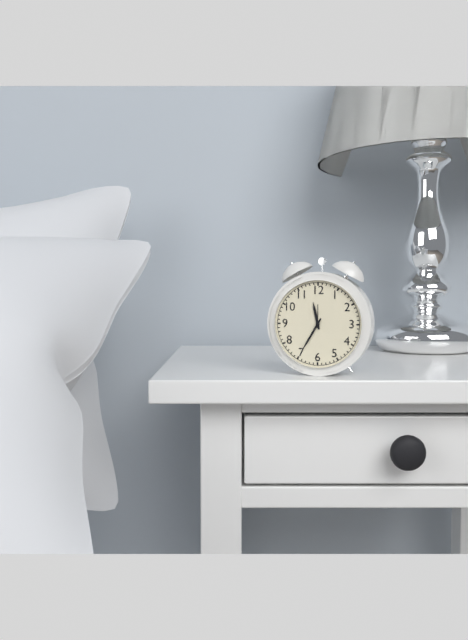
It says 11:35
